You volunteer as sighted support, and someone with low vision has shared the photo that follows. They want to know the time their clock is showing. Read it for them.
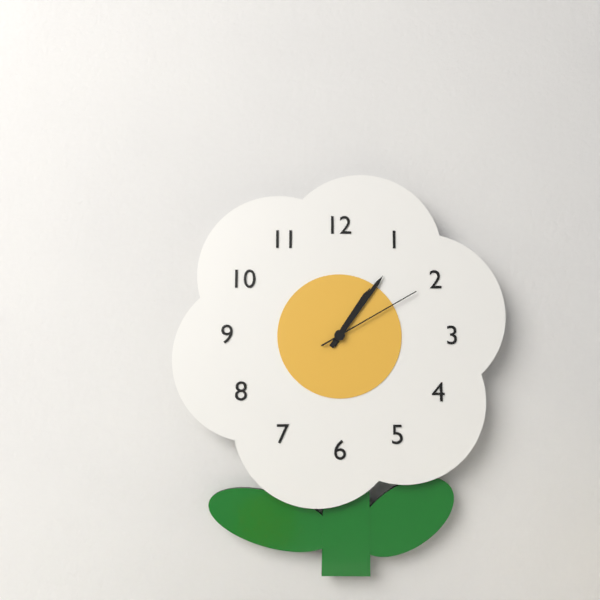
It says 1:06:10
